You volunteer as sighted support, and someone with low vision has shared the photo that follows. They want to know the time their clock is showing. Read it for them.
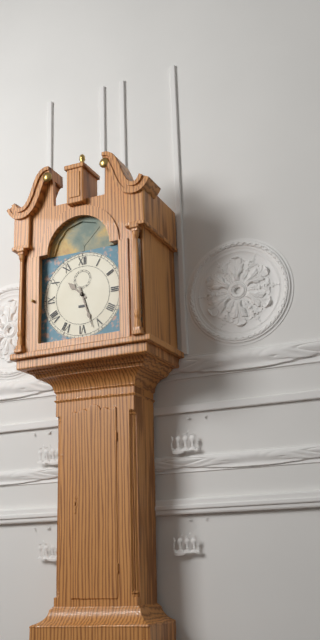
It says 10:27
